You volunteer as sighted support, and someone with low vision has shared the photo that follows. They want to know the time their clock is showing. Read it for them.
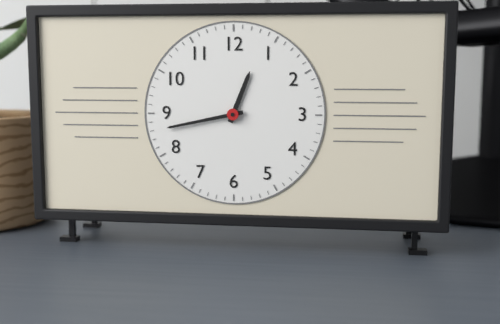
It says 12:43
